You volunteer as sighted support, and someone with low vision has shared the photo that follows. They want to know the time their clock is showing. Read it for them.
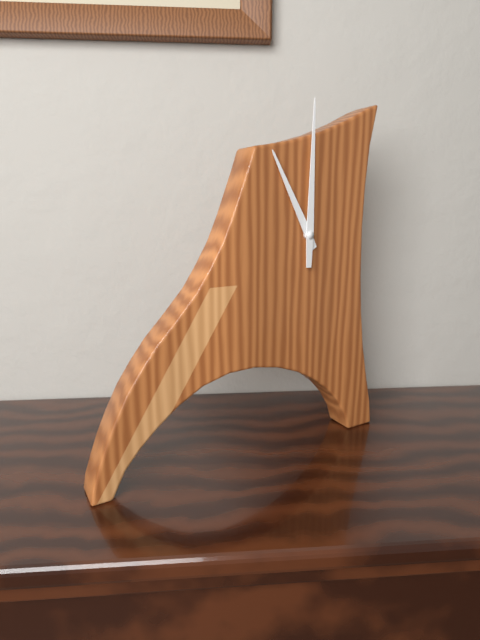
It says 11:00
